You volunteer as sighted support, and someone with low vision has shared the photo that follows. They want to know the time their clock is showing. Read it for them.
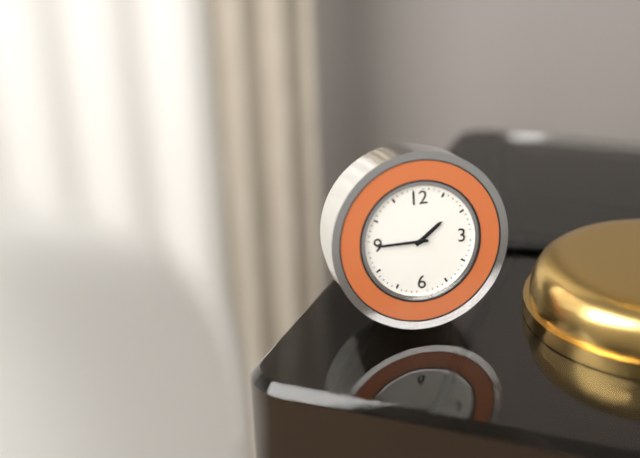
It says 1:45
